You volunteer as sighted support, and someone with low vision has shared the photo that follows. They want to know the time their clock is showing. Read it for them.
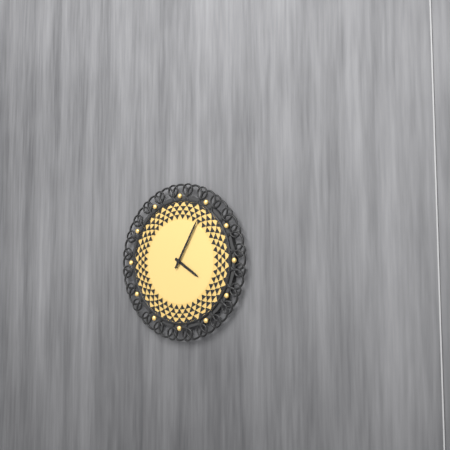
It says 4:05
